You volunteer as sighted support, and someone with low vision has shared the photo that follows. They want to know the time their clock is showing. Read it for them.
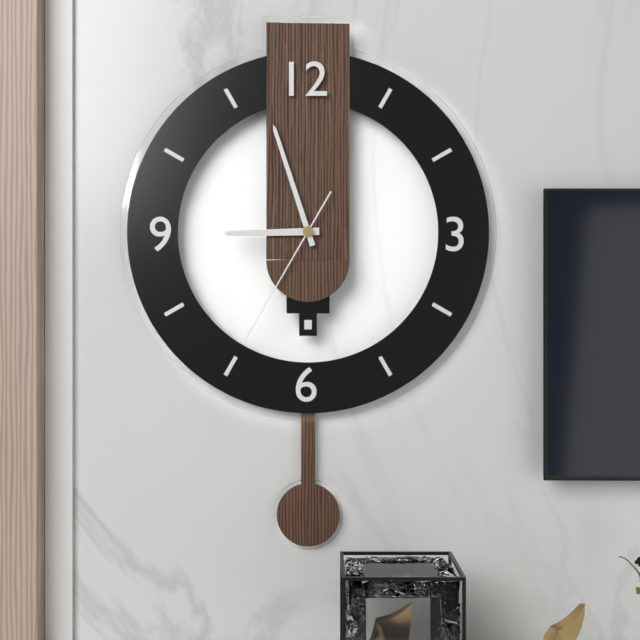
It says 8:57:35
